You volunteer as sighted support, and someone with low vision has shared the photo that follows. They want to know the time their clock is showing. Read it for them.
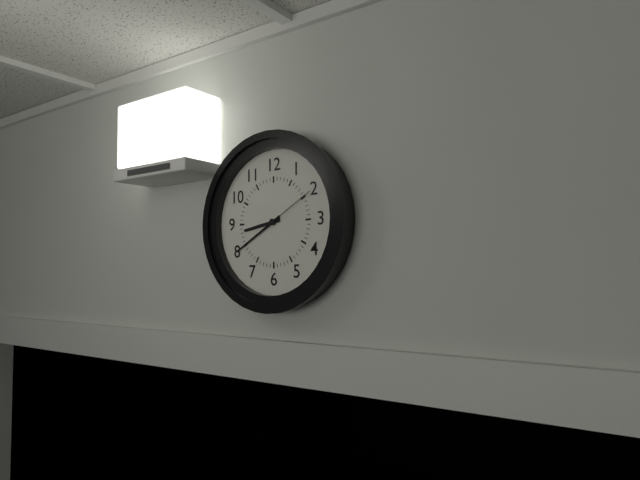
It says 8:40:10
